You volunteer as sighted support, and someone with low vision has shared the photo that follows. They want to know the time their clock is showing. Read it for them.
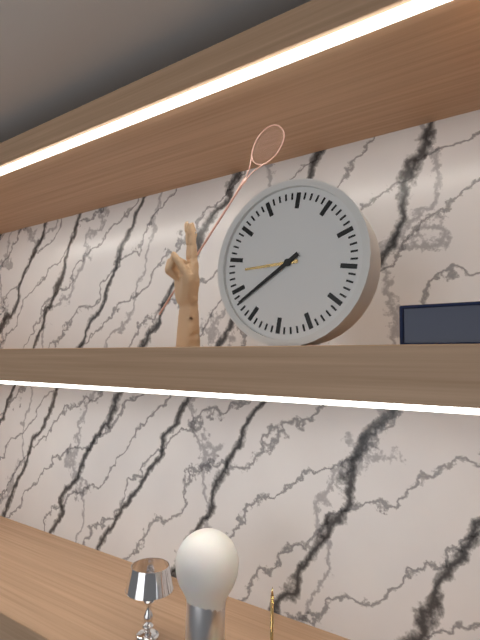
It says 8:38
